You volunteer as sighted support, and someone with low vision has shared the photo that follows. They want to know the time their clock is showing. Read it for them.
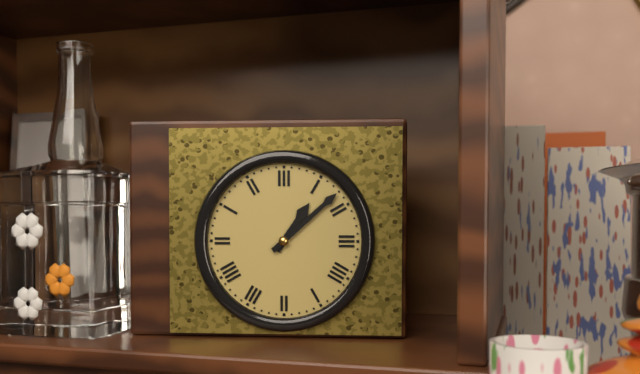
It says 1:08
